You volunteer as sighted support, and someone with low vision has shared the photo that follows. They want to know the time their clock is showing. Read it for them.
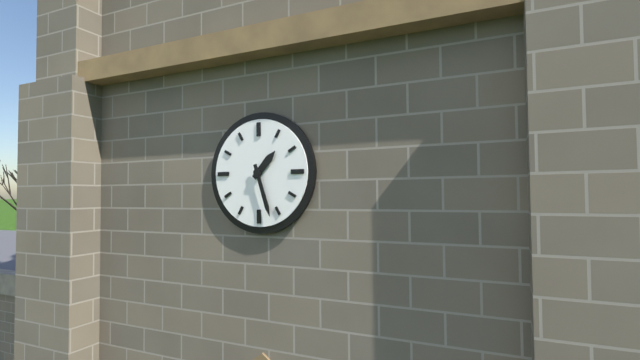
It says 1:27
